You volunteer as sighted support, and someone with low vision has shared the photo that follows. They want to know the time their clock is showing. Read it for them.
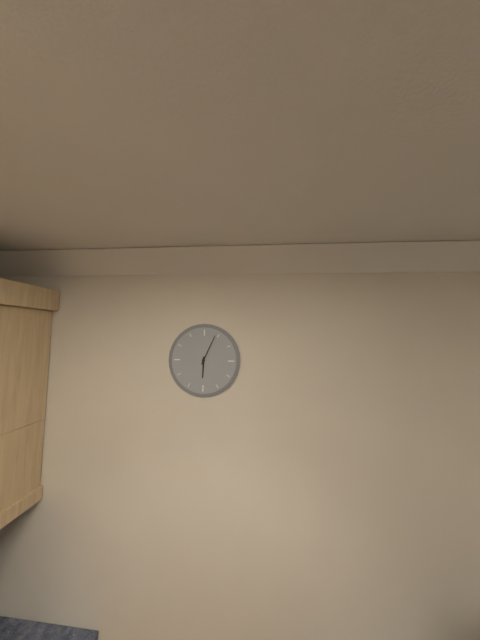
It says 6:04
